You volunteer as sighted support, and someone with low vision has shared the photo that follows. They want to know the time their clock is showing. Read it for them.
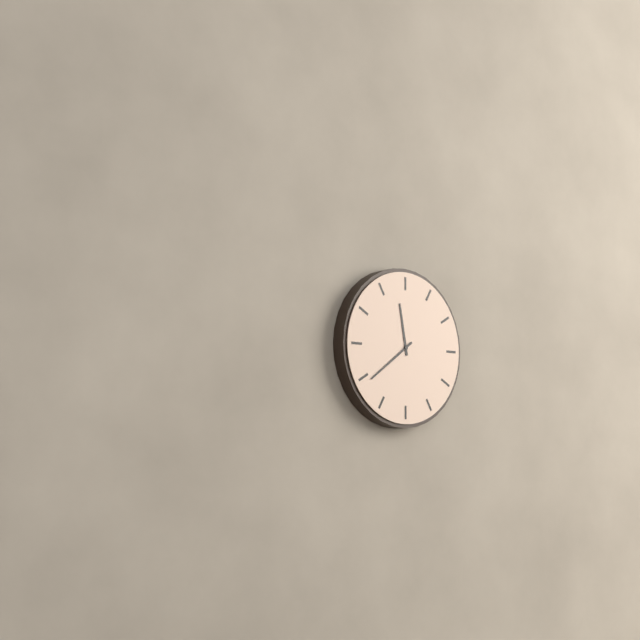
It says 11:39
